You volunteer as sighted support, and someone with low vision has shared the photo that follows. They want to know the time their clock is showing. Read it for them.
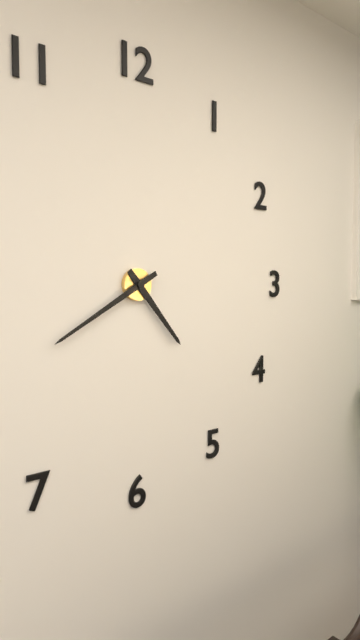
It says 4:40
